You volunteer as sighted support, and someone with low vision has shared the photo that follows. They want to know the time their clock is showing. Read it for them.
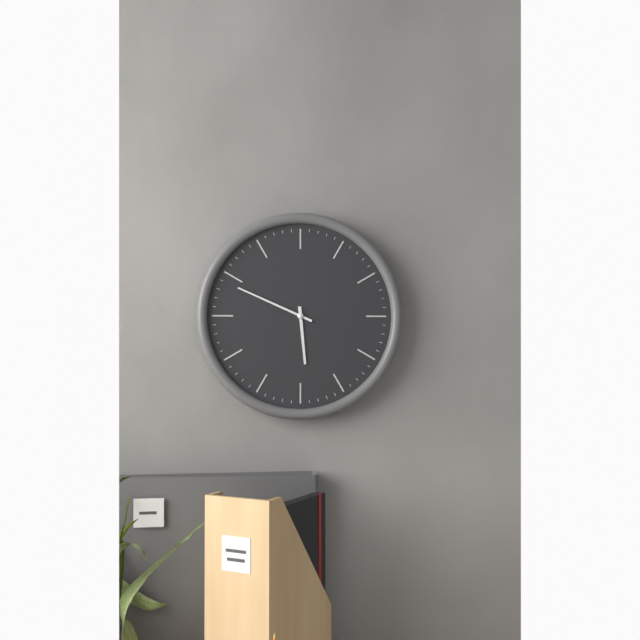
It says 5:49
